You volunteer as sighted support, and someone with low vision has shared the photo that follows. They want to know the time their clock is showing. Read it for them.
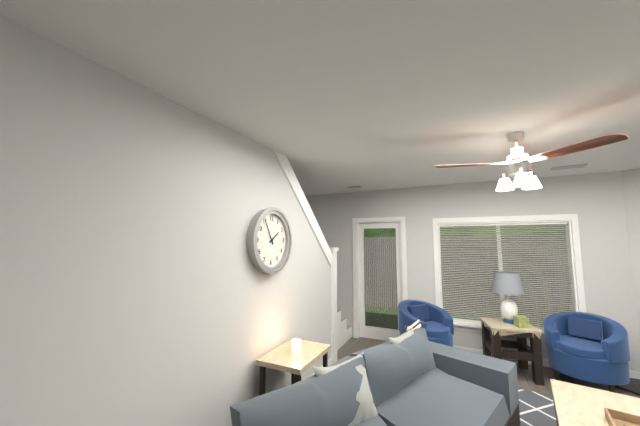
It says 1:55
